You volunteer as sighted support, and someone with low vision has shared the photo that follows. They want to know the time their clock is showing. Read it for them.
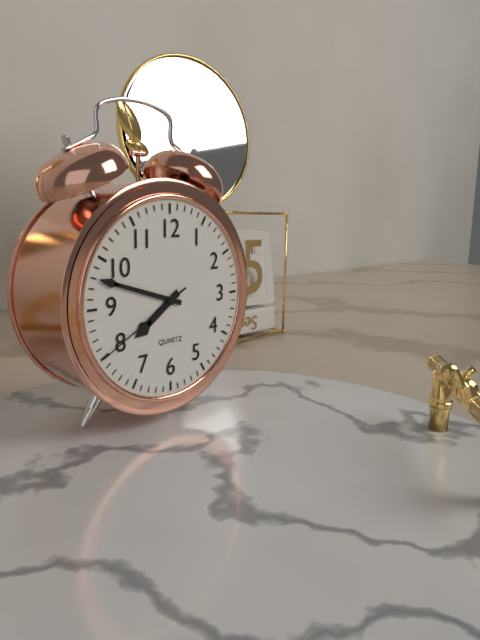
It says 7:48:40
